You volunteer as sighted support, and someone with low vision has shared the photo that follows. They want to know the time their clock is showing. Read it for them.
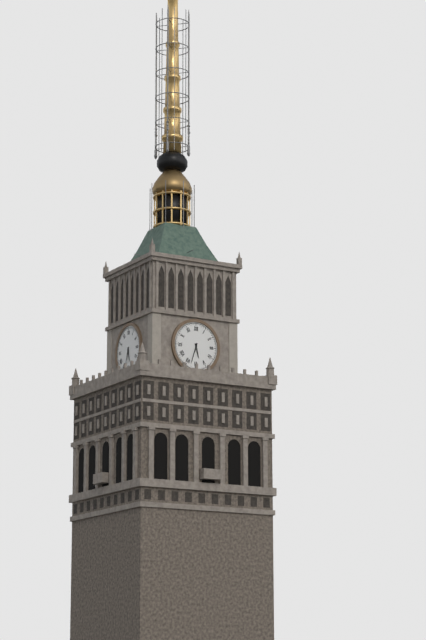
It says 5:33
